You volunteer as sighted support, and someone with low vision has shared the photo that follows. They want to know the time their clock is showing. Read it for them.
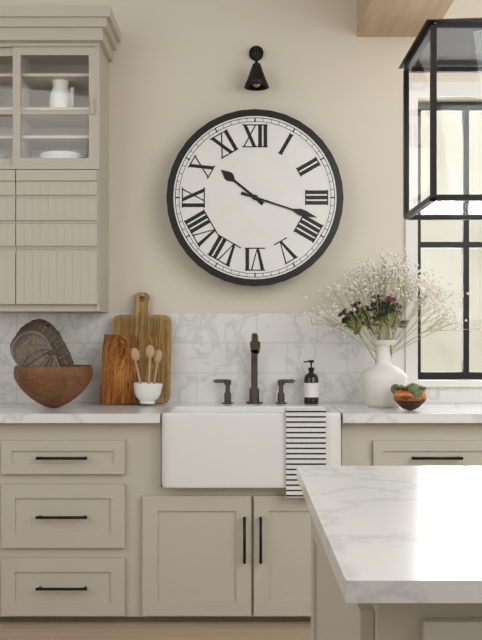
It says 10:18
